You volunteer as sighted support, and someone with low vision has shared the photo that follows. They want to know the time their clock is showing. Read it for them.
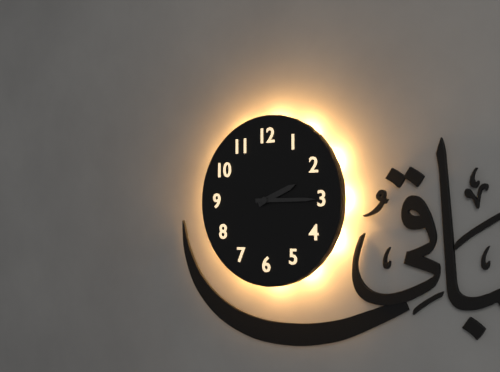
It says 2:15
